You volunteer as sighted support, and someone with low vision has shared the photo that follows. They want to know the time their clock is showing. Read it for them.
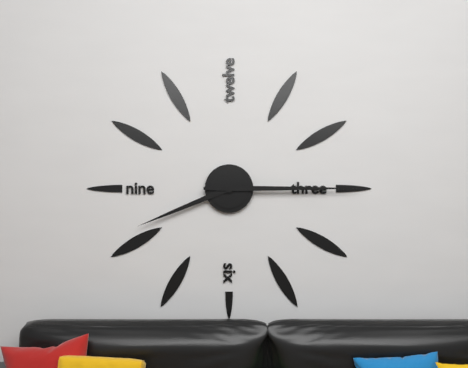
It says 8:15
